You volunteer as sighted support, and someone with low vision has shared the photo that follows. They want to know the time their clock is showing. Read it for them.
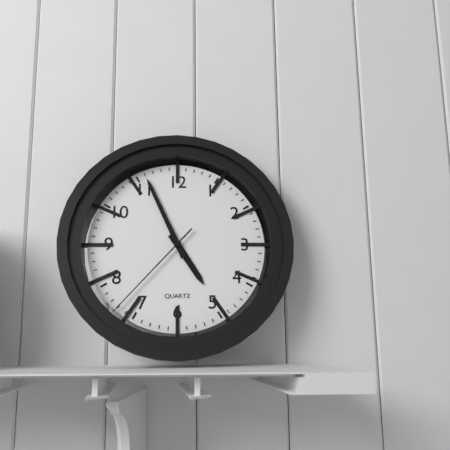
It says 4:56:37
